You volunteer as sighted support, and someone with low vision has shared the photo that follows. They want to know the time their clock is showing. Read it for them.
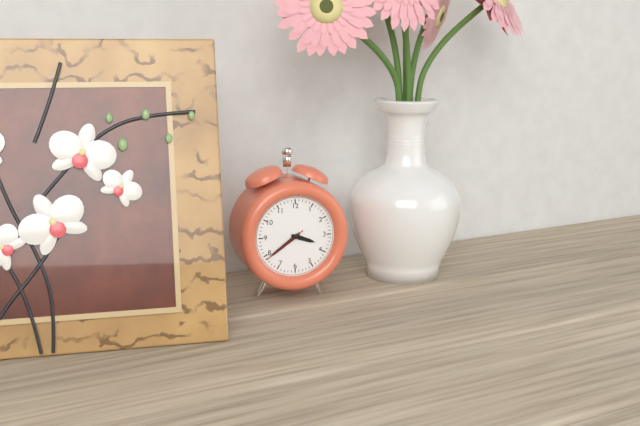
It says 3:39
